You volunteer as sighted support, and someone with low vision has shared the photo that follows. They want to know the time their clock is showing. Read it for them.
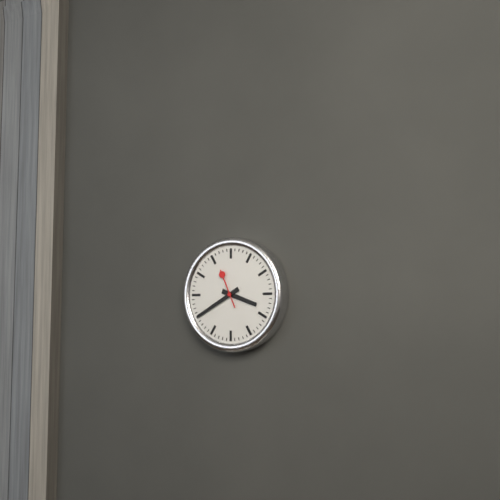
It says 3:40
